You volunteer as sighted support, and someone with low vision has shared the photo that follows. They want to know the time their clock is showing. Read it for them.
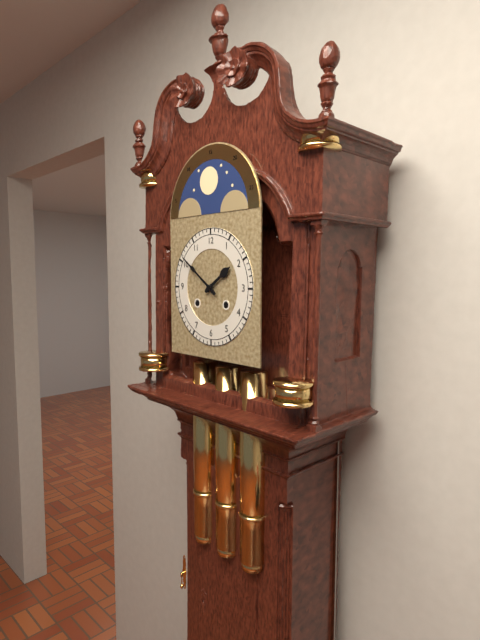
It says 1:51
